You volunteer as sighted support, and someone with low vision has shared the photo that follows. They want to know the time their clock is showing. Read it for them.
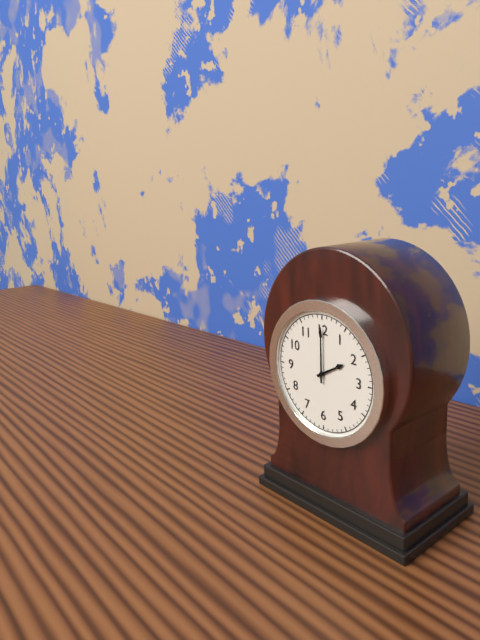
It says 2:00
